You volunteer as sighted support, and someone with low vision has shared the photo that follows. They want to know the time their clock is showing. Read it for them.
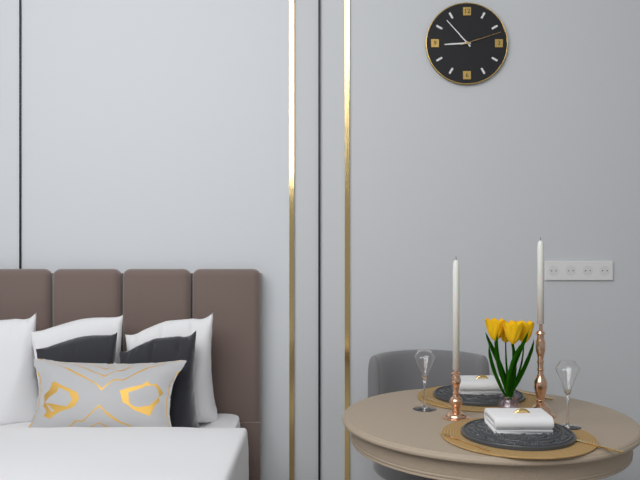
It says 8:53
